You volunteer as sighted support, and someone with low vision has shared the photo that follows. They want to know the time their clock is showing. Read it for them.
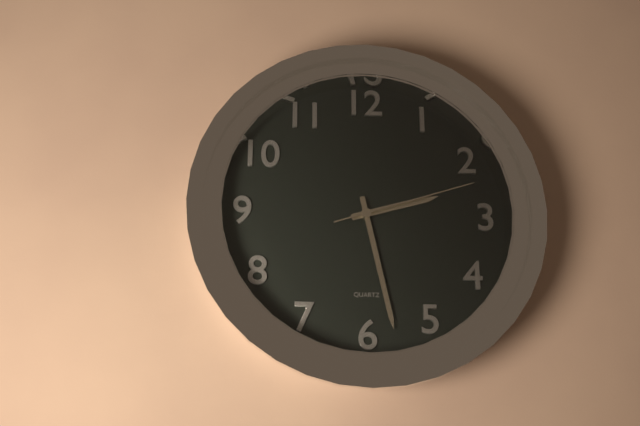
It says 2:28:12
